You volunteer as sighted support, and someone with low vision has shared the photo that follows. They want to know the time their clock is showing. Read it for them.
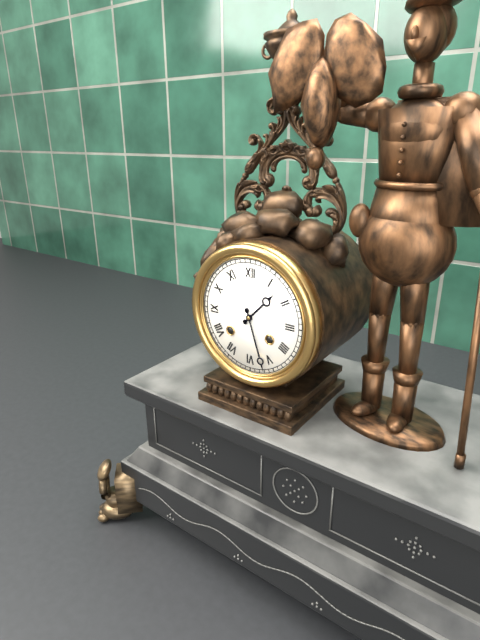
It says 1:27
